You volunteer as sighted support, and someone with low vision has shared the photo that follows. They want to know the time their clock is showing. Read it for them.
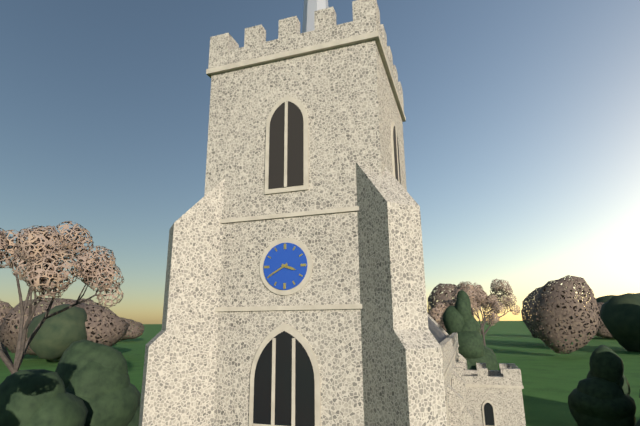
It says 3:40
